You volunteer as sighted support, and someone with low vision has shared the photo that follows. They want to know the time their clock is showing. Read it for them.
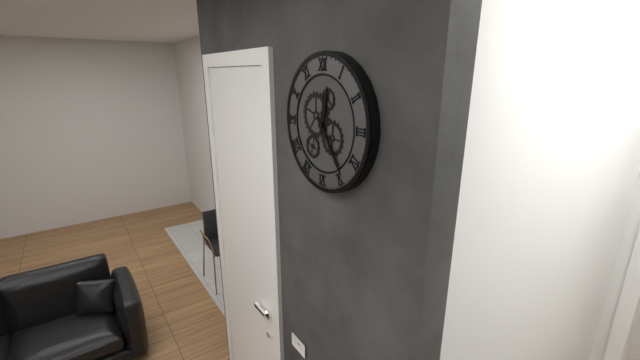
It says 12:24
